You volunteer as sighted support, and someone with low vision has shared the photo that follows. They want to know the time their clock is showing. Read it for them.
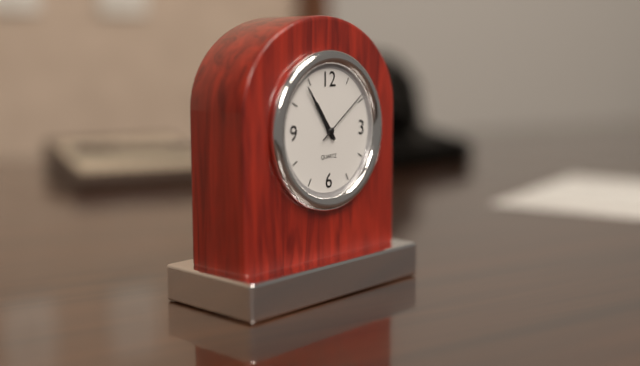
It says 10:54:09
